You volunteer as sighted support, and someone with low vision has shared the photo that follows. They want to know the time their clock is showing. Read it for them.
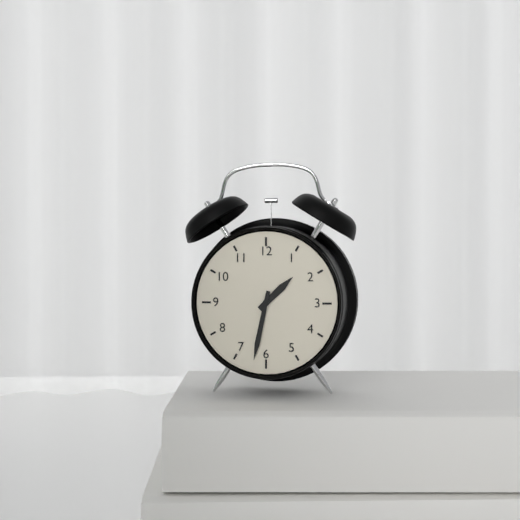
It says 1:32
